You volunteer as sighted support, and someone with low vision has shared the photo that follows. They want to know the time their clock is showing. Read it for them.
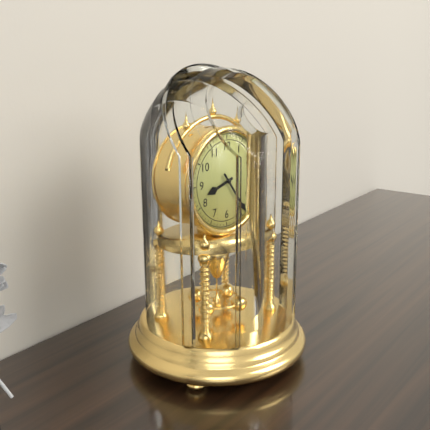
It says 8:24
